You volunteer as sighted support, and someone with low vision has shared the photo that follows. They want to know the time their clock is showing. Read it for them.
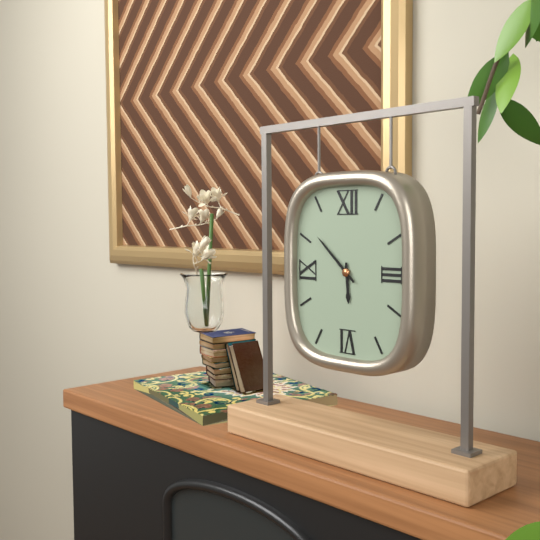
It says 5:52
